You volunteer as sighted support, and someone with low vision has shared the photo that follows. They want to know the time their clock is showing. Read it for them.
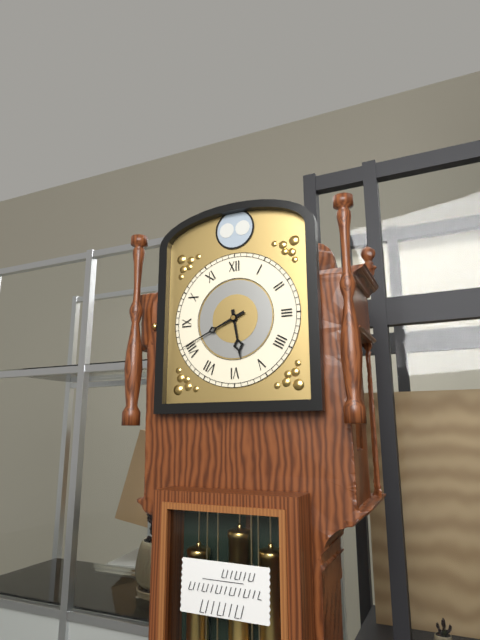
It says 5:41
